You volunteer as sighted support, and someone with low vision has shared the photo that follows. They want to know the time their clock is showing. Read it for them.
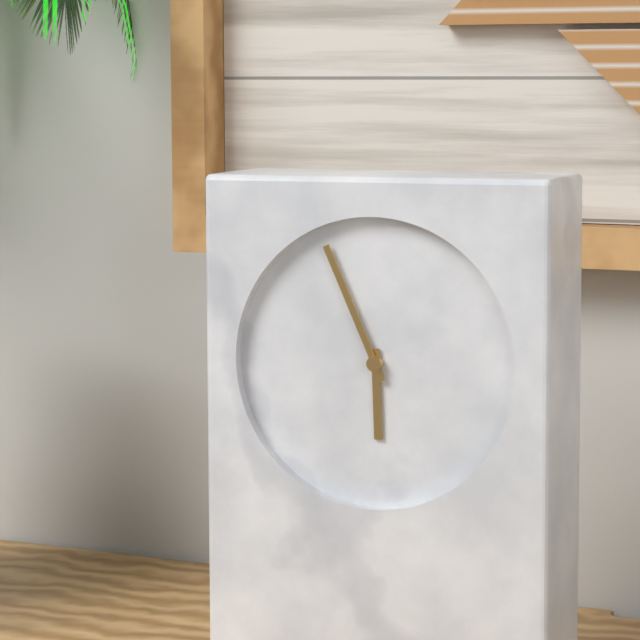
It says 5:56
